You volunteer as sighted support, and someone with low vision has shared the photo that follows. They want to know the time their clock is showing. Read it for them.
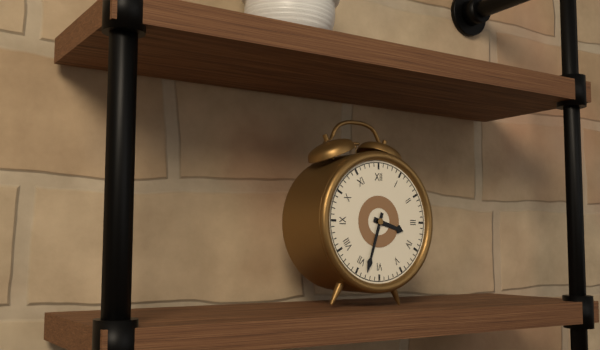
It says 3:33
